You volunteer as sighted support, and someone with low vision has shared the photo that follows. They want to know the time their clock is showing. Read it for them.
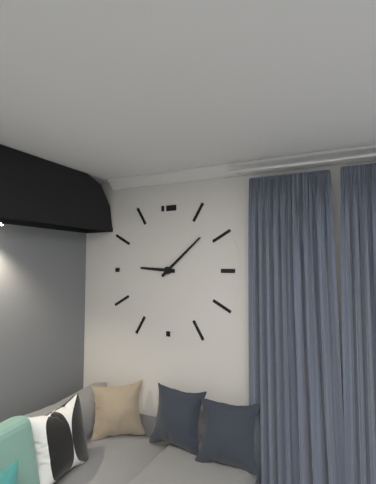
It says 9:08
